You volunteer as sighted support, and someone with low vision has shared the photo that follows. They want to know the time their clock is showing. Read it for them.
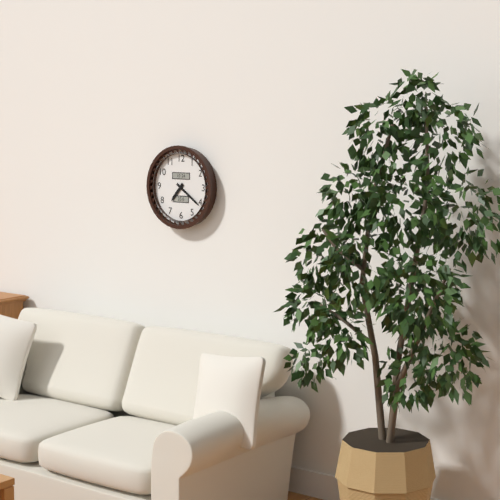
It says 7:21
